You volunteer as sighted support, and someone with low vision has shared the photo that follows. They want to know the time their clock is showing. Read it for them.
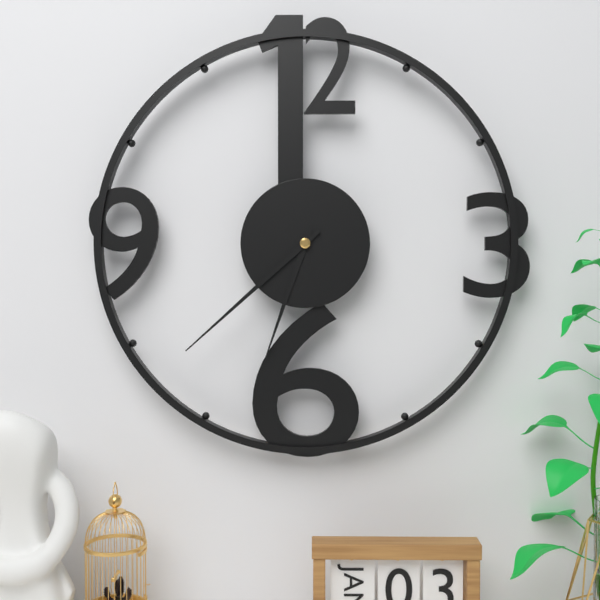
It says 6:38
